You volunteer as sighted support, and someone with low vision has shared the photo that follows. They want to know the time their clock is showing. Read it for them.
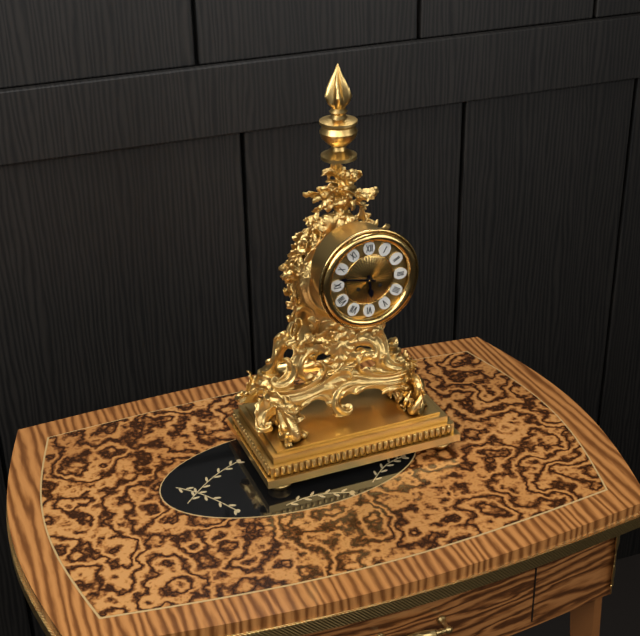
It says 5:47
